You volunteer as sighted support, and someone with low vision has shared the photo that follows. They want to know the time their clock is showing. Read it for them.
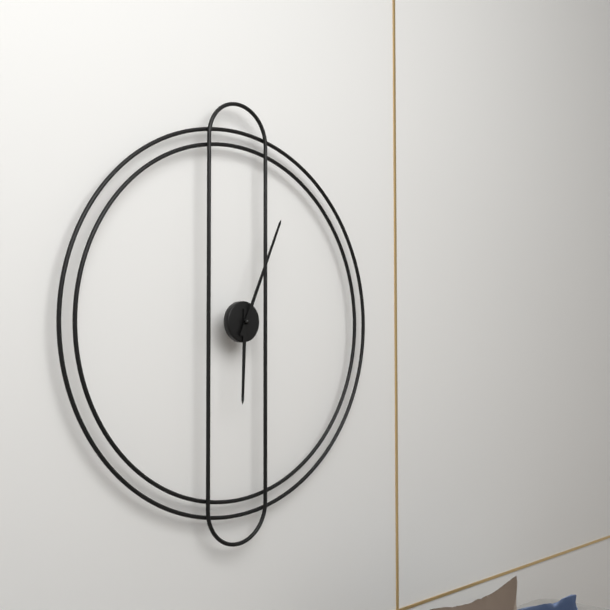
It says 6:04
